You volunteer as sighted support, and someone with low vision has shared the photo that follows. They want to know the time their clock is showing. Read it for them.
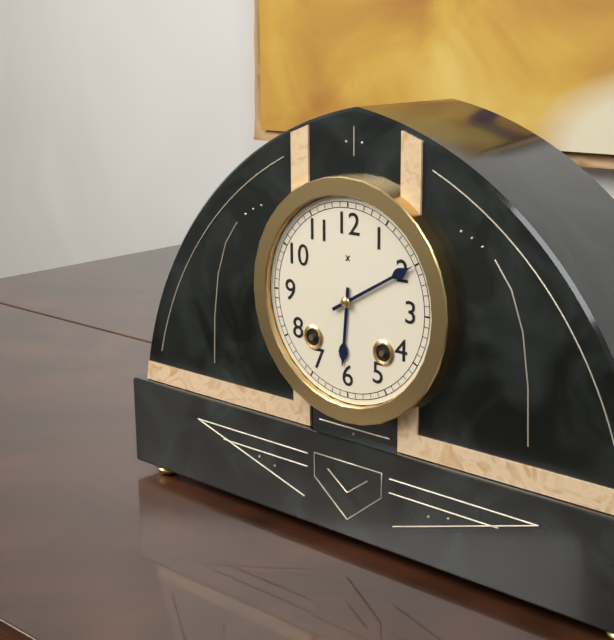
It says 6:10
